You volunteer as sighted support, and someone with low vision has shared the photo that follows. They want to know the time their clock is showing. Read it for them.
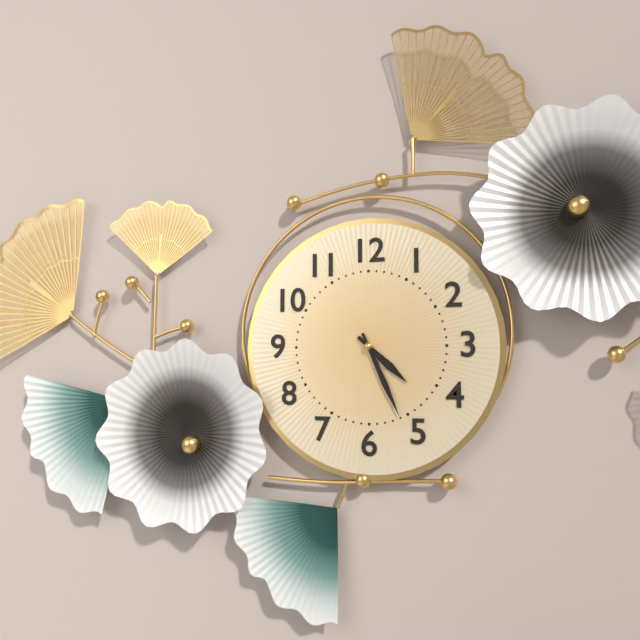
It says 4:26
